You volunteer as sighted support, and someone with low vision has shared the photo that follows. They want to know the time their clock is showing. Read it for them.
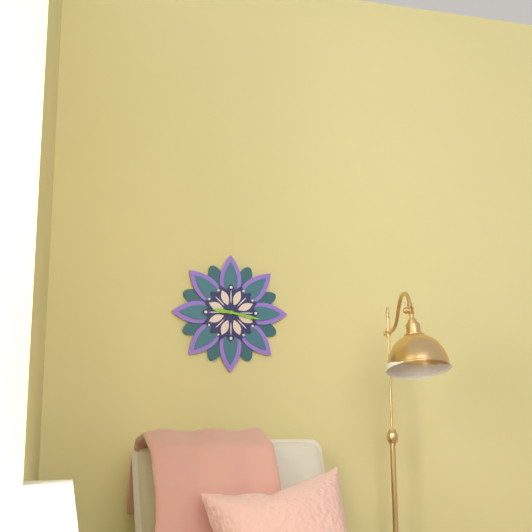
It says 9:17
